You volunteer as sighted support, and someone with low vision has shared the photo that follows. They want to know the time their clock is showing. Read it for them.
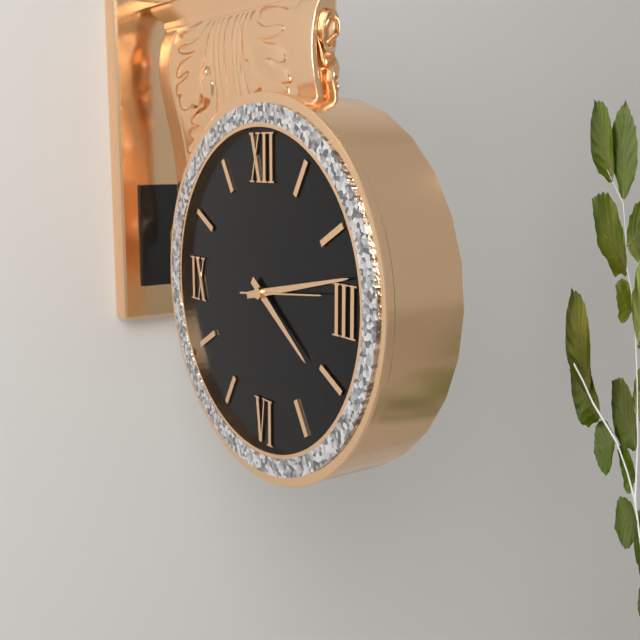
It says 4:13
